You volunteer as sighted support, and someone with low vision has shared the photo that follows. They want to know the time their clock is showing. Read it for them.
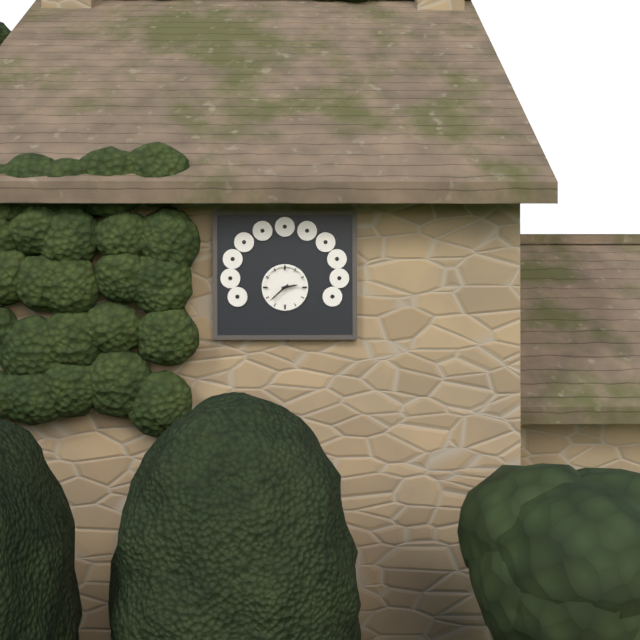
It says 2:38
